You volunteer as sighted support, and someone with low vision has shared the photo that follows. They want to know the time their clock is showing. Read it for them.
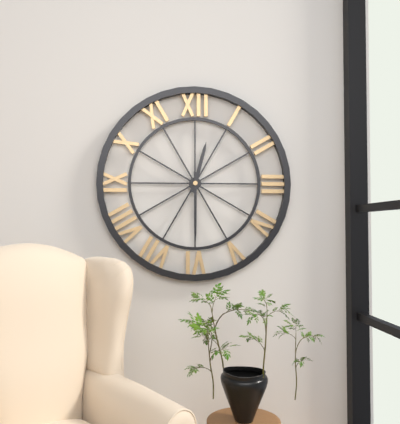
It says 12:30
